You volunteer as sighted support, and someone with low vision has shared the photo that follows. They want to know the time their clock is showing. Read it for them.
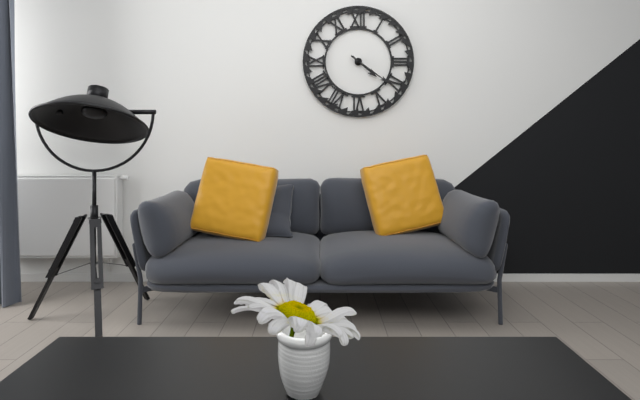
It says 4:21
